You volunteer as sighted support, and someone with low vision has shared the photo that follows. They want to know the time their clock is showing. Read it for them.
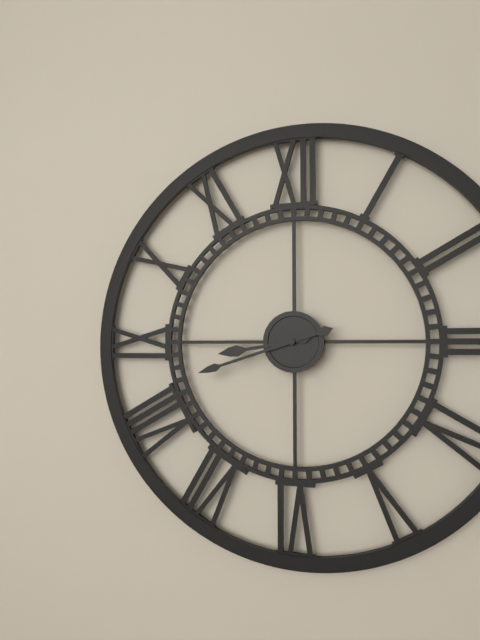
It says 8:42
